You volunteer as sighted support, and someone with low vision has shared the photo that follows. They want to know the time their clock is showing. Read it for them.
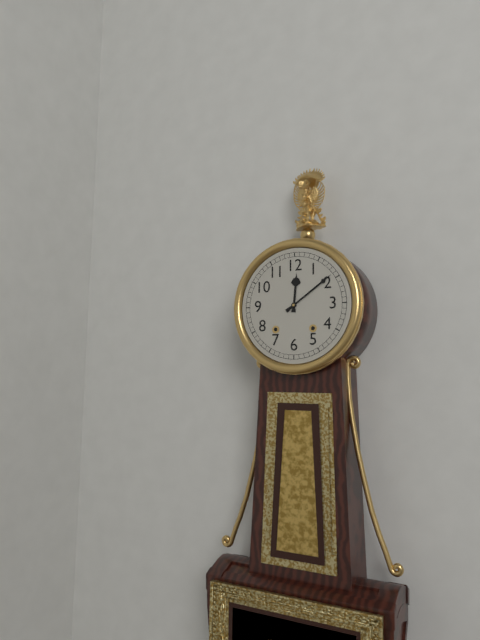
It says 12:09
